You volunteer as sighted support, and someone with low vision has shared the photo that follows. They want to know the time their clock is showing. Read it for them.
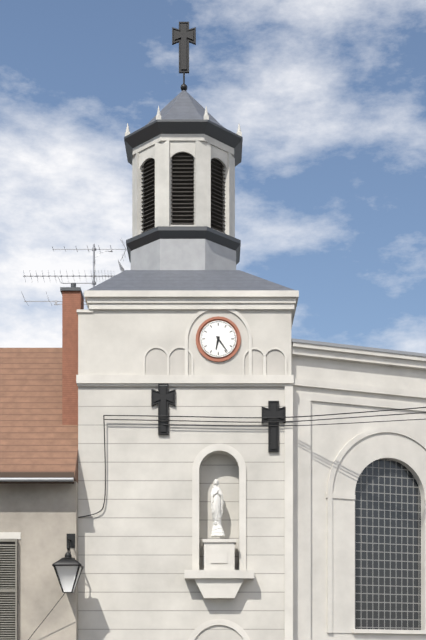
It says 6:24
